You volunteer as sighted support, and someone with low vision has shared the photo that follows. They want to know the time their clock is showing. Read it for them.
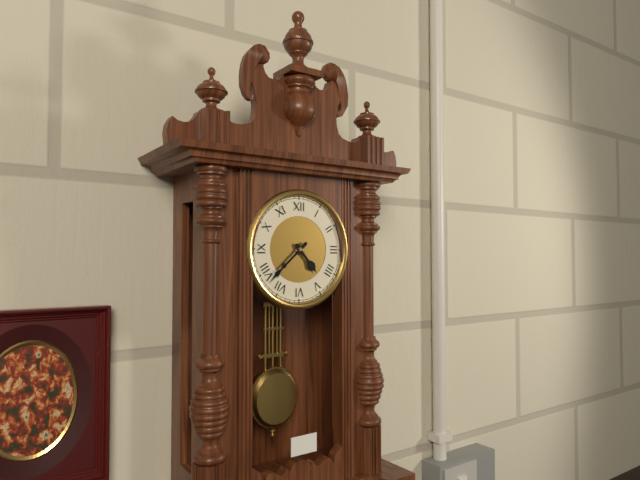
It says 4:38
